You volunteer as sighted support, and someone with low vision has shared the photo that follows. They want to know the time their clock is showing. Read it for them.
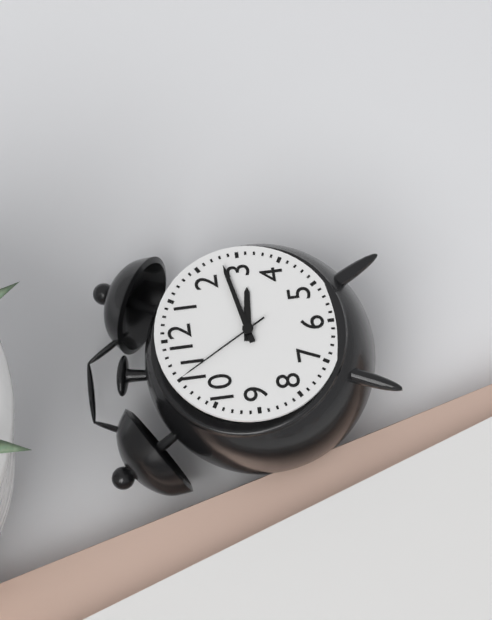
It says 3:13:55
